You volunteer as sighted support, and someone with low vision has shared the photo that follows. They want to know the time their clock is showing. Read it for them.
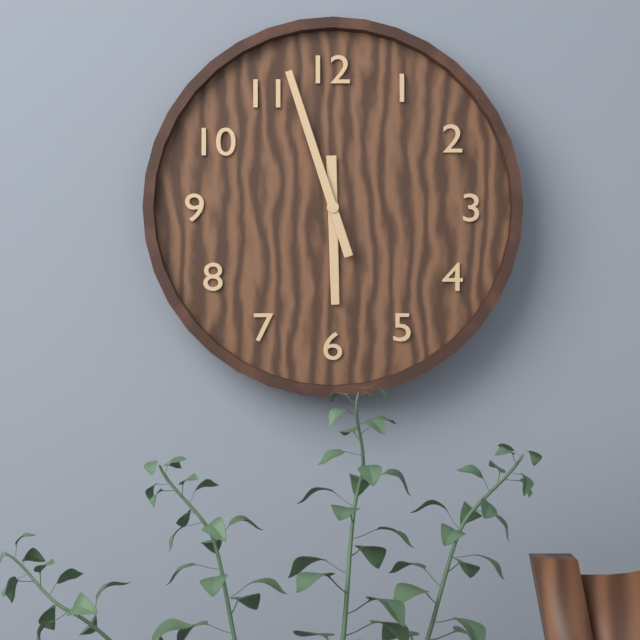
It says 5:57
